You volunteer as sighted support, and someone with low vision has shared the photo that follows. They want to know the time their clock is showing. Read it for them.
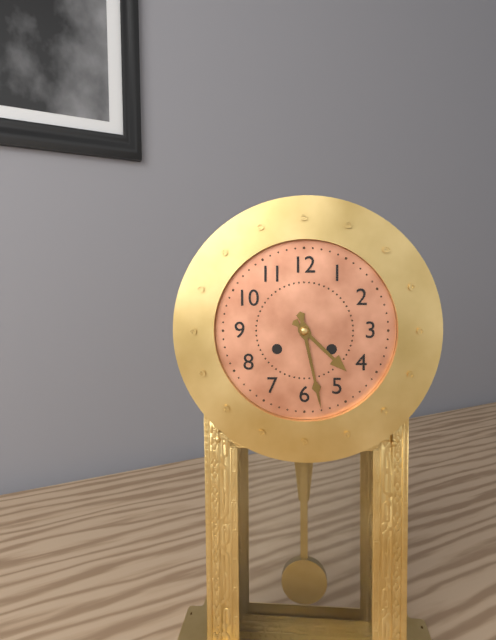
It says 4:28
